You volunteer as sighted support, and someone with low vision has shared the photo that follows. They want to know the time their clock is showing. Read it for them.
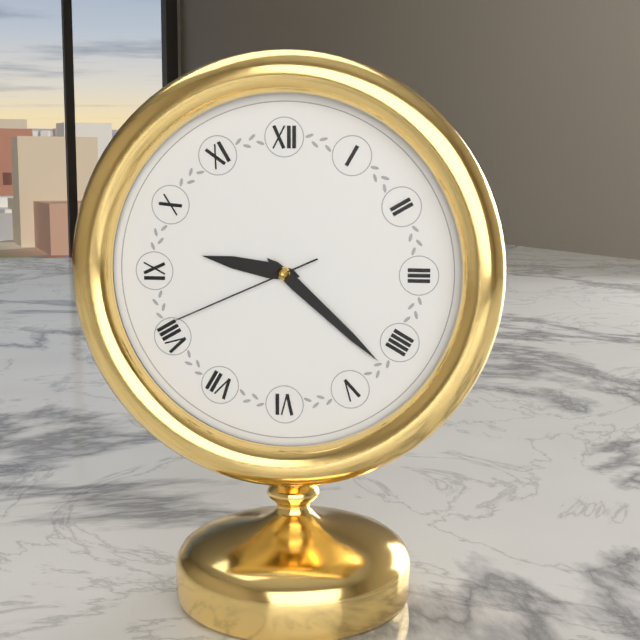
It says 9:22:41
